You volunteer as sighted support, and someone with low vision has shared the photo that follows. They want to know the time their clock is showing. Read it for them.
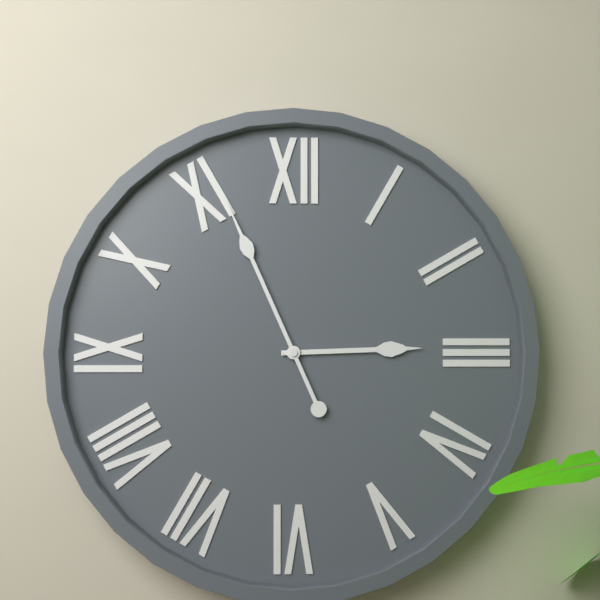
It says 2:56
